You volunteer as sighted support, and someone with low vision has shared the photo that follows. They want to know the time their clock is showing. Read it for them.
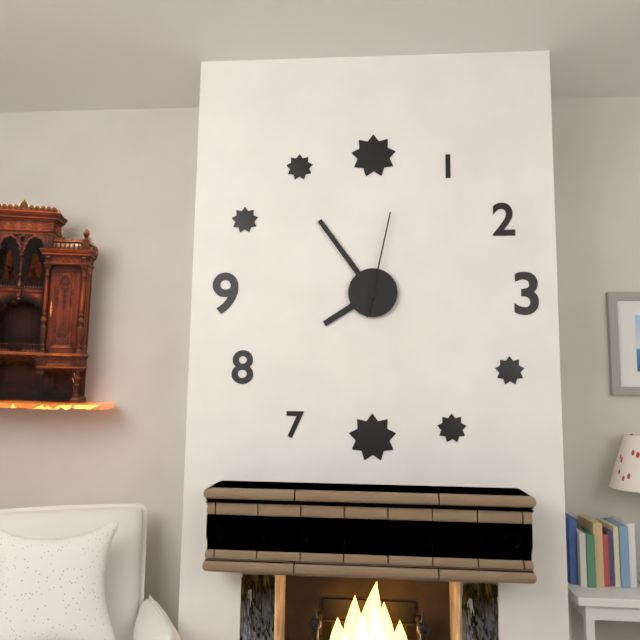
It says 7:54:02
